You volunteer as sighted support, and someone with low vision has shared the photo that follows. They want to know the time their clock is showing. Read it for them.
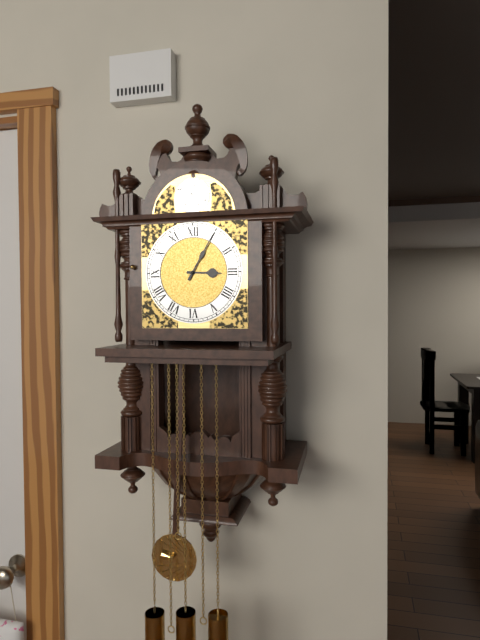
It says 3:05
